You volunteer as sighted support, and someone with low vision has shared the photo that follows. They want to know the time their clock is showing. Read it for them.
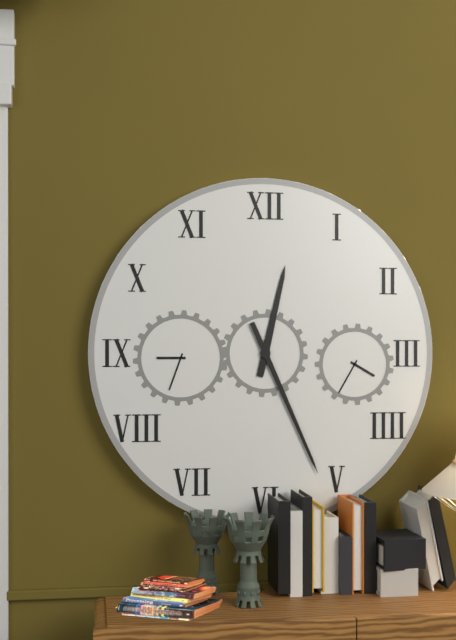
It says 12:26
